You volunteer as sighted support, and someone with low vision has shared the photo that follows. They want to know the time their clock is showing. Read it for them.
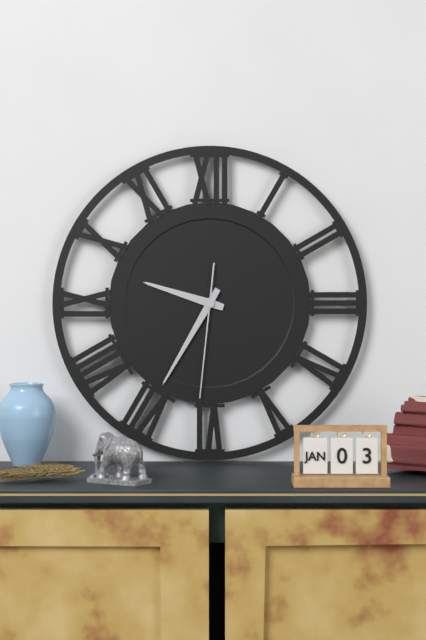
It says 9:35:31
